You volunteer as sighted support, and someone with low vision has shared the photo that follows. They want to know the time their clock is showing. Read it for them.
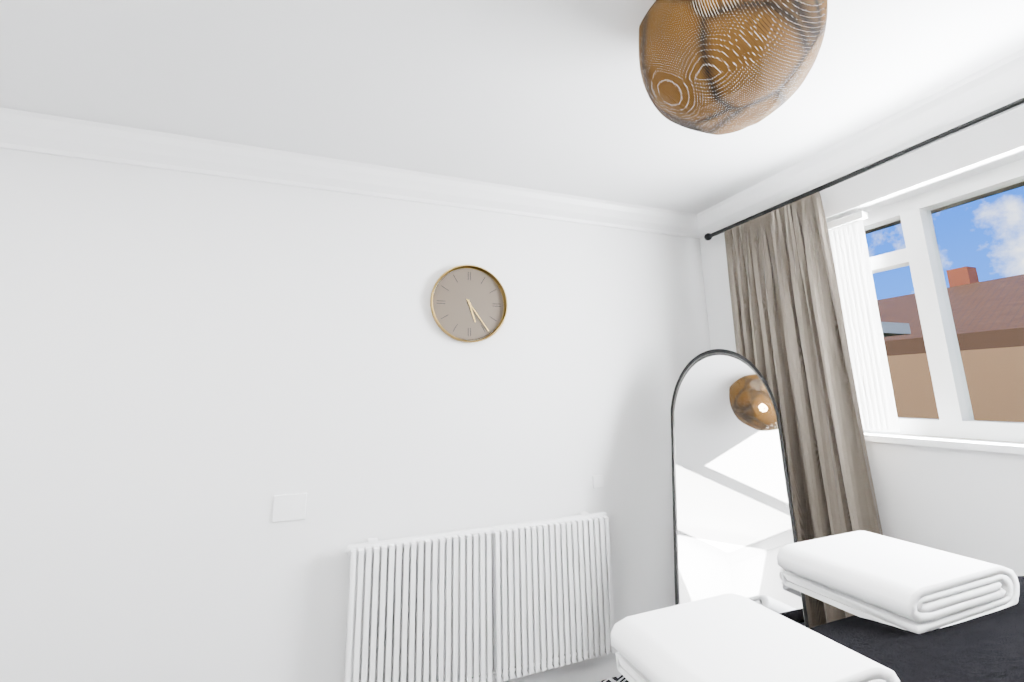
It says 5:24
